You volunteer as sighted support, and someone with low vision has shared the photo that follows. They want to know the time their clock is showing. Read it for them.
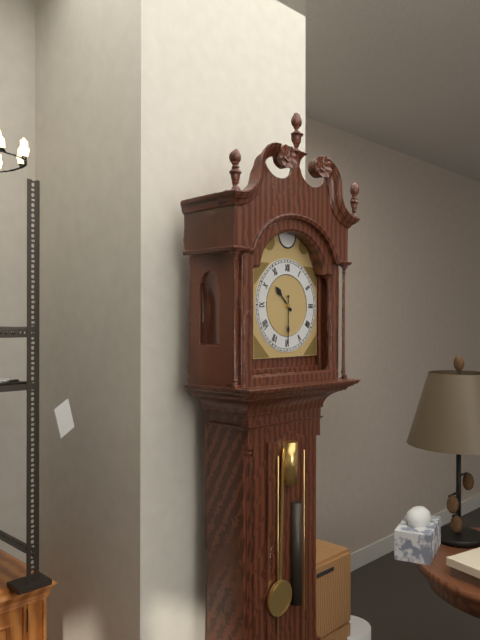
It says 10:30
